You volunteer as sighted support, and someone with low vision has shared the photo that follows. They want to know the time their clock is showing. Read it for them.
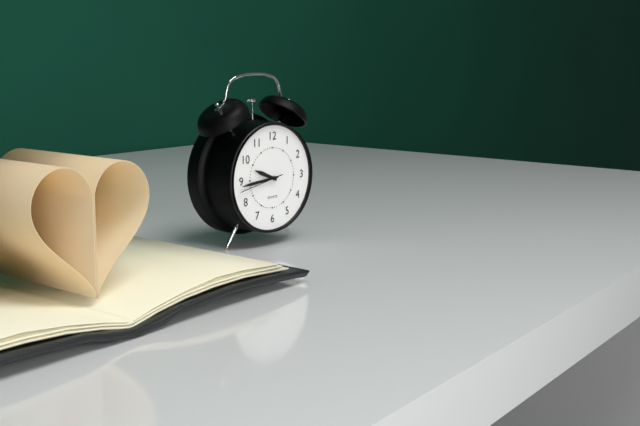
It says 9:44
